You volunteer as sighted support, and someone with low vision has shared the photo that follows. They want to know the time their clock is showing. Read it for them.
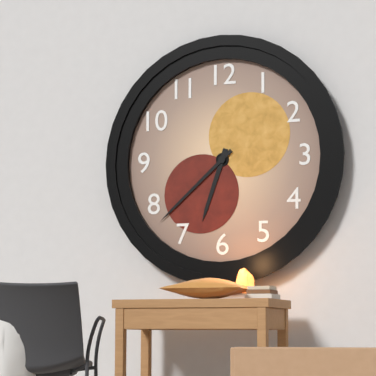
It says 6:38
